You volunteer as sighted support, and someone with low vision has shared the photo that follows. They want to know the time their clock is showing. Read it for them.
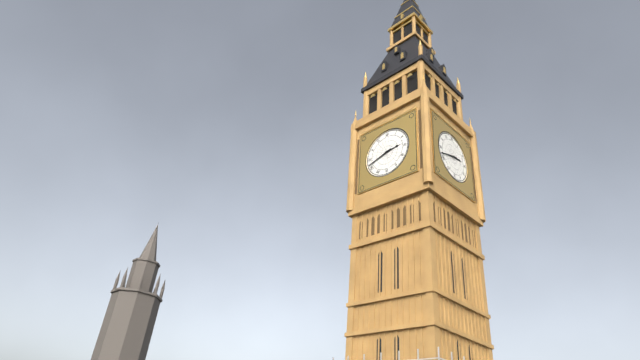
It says 2:42
